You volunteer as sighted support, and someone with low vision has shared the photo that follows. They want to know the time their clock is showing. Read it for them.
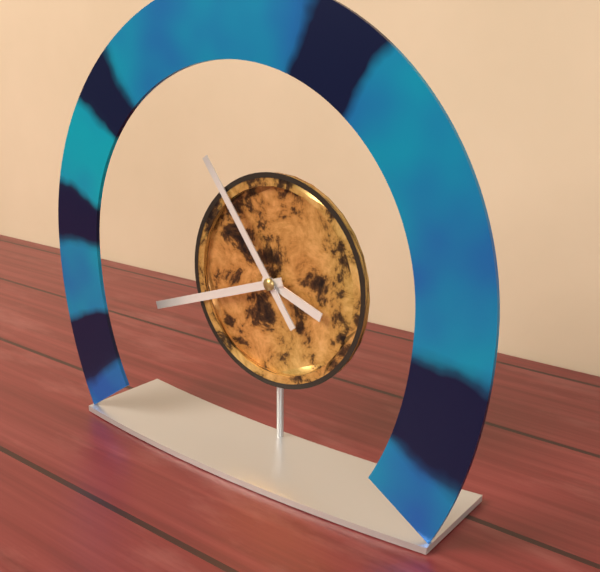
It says 3:42:54
